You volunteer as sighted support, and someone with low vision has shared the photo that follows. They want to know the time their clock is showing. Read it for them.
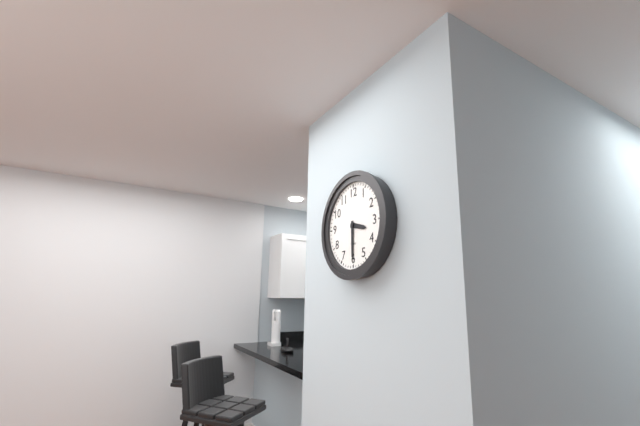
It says 3:30
